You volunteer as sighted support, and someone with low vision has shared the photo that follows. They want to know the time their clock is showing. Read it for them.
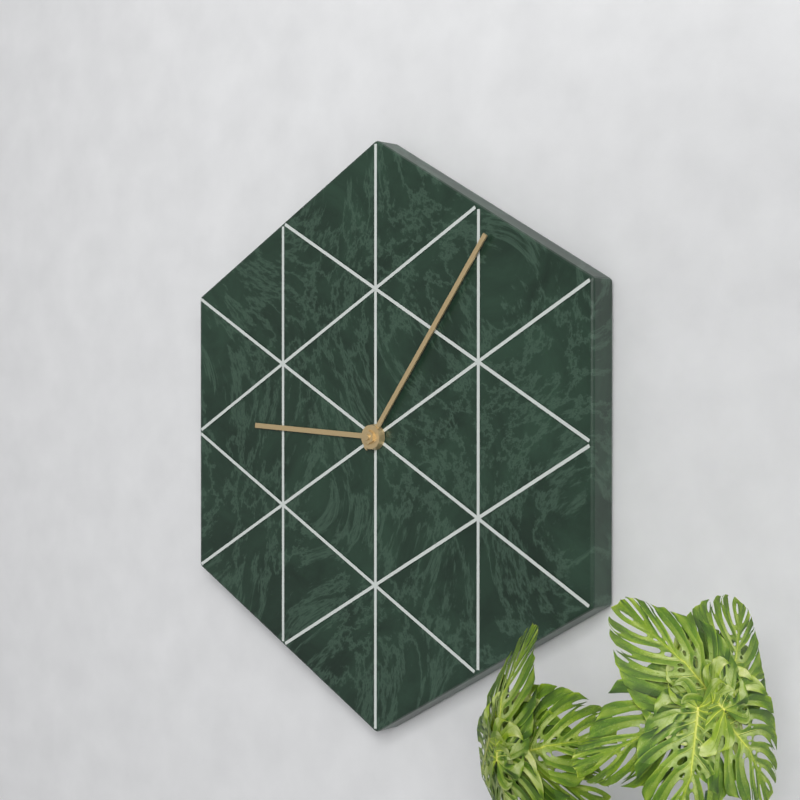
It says 9:06
